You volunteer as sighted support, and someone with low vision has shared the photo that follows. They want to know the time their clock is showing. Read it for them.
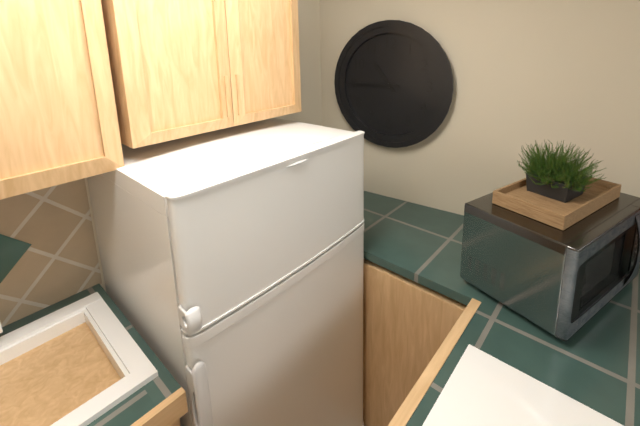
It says 10:45
